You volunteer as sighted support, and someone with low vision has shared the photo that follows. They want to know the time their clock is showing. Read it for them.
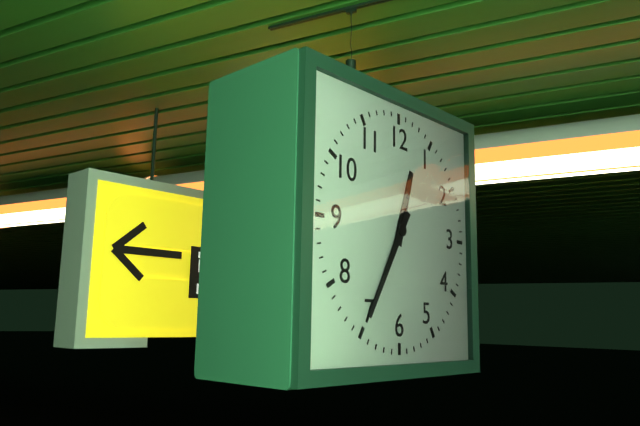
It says 12:35
